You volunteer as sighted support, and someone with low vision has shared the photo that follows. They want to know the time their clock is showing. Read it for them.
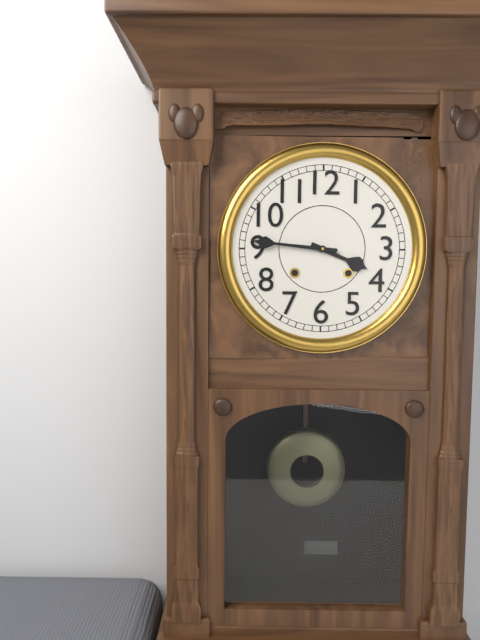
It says 3:46
